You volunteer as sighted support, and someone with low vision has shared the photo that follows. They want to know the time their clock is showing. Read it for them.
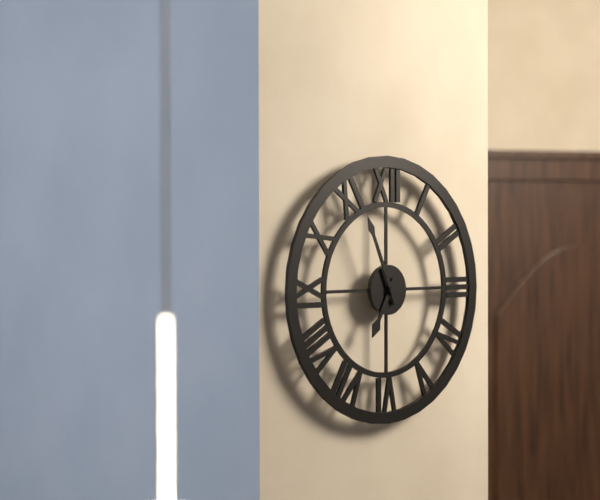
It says 6:56
